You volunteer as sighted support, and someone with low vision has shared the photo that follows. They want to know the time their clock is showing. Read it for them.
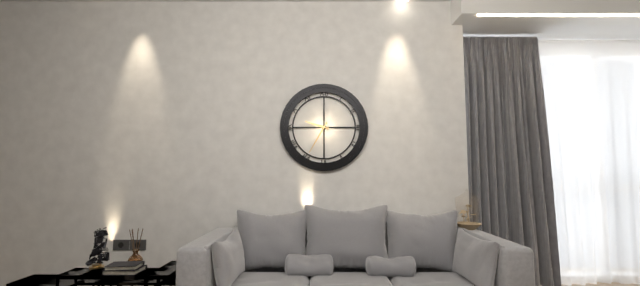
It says 9:35
